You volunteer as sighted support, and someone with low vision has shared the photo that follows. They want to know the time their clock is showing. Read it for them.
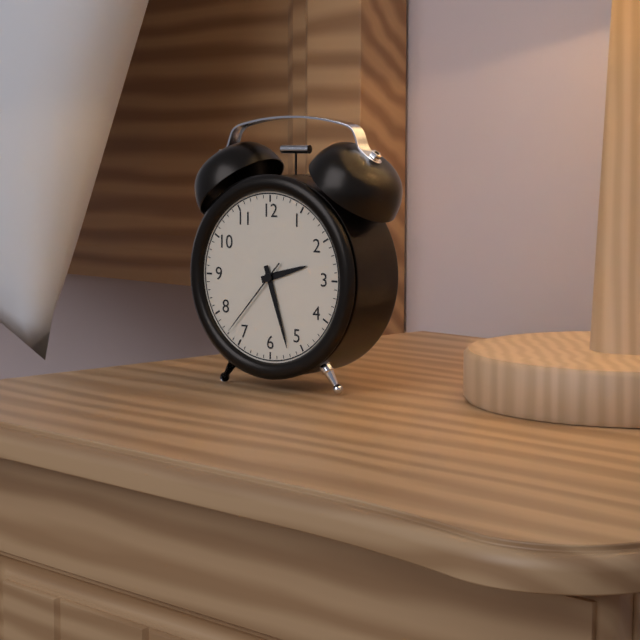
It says 2:27:37
